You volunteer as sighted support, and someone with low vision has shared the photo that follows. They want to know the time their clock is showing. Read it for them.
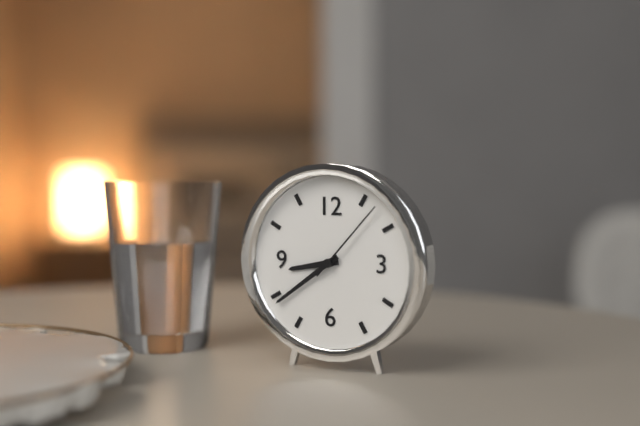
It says 8:39:07
